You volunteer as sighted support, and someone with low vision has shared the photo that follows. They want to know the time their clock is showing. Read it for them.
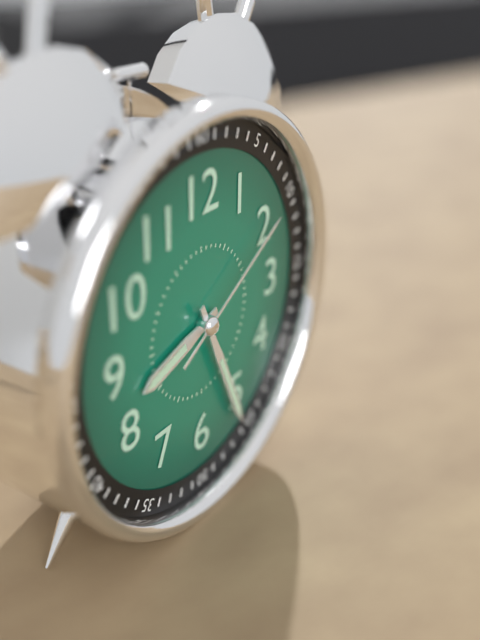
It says 8:26:10
